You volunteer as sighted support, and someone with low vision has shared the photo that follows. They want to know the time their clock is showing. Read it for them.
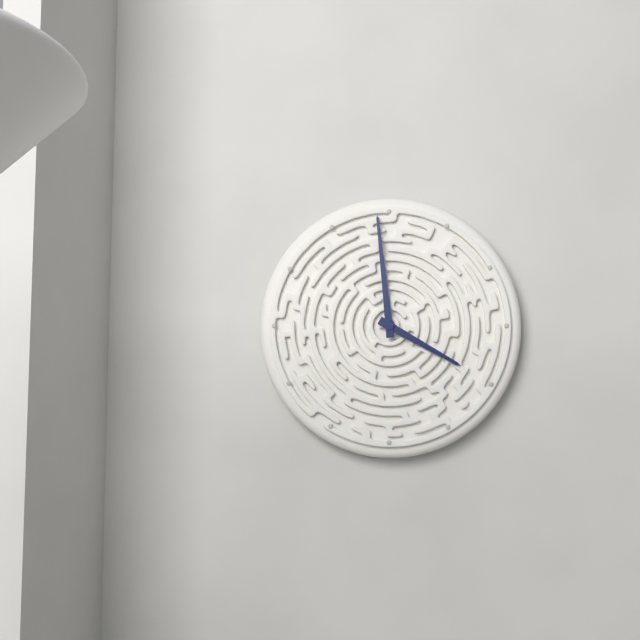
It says 3:59
